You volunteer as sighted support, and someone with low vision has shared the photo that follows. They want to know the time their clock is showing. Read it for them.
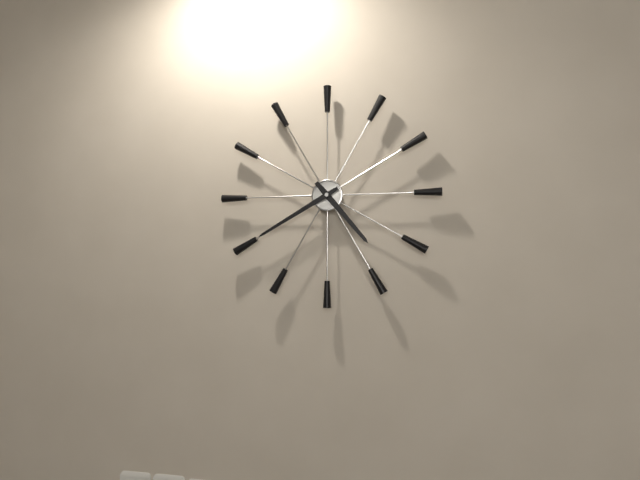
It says 4:40
